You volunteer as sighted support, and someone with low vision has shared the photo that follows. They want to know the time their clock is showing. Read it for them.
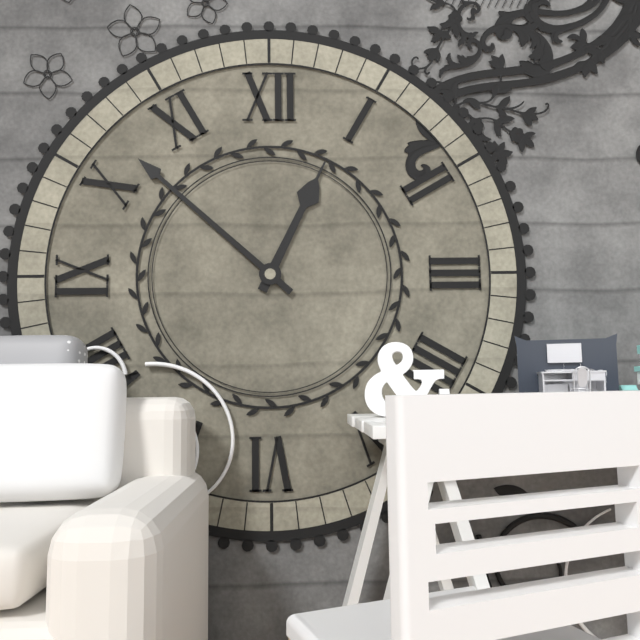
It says 12:52
